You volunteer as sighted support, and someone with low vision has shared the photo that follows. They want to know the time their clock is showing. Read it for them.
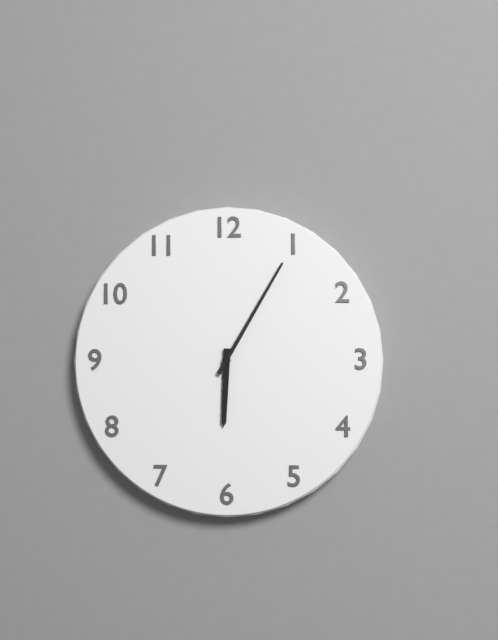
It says 6:05
